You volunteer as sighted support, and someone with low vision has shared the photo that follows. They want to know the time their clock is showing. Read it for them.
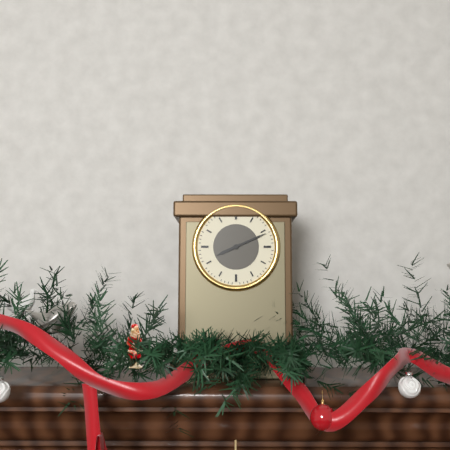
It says 8:11
